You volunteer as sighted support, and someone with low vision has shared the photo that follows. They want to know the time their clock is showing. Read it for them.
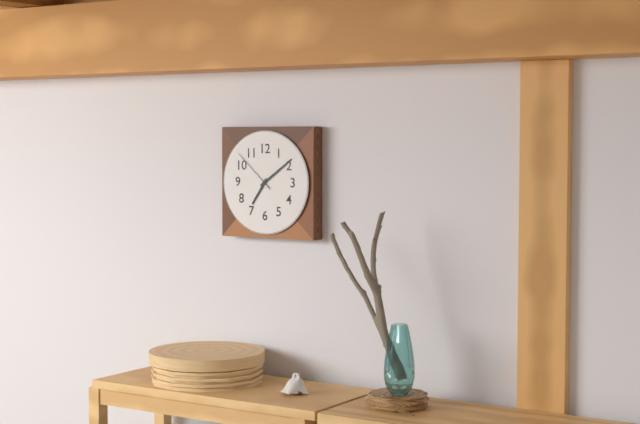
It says 7:09
